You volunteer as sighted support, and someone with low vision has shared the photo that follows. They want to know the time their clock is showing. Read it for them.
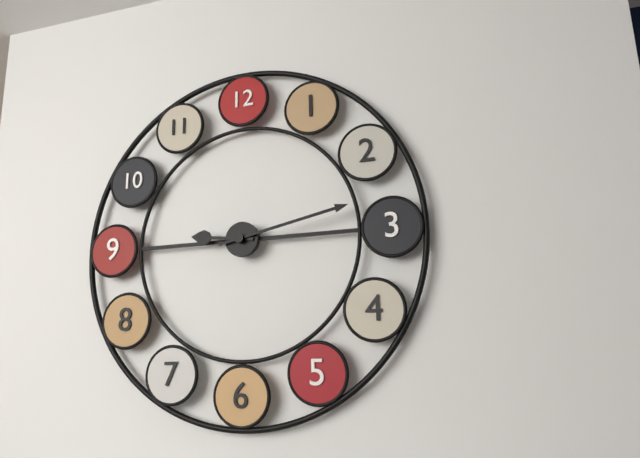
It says 9:13
